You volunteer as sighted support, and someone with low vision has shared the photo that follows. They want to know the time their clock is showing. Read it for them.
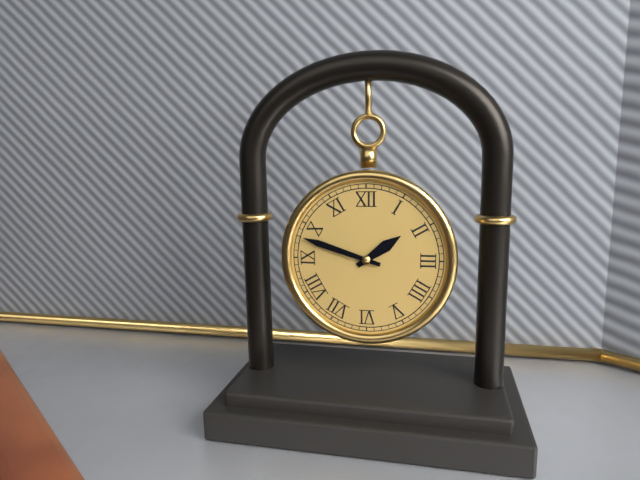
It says 1:48
